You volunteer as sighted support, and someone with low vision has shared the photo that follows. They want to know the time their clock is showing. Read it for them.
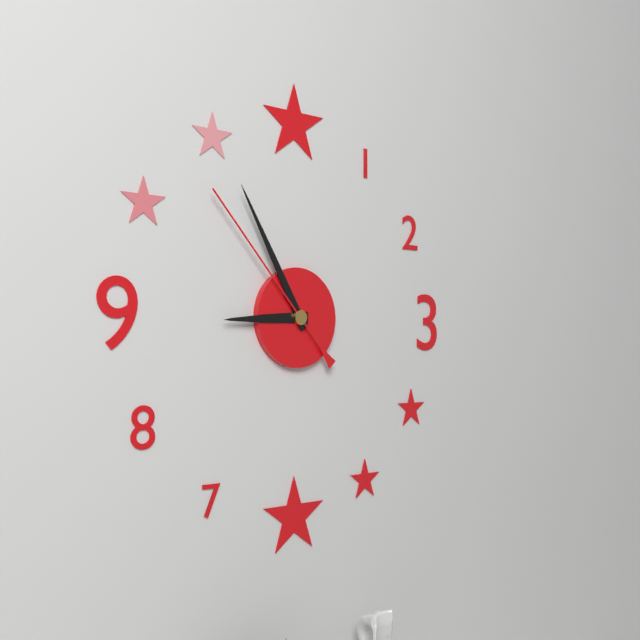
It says 8:55:53
